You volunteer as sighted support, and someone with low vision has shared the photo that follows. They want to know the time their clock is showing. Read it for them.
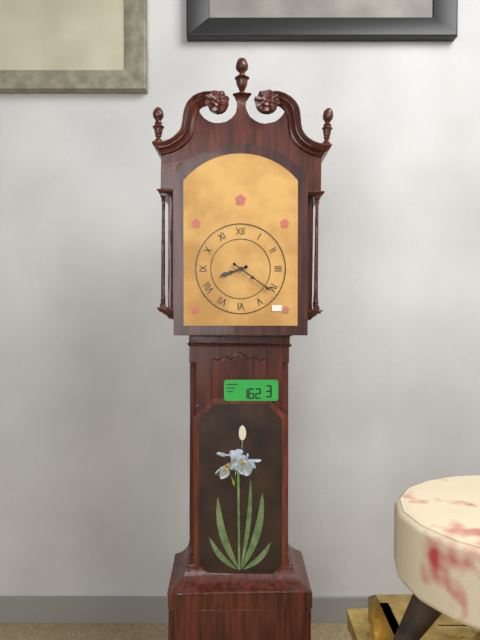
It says 8:21
